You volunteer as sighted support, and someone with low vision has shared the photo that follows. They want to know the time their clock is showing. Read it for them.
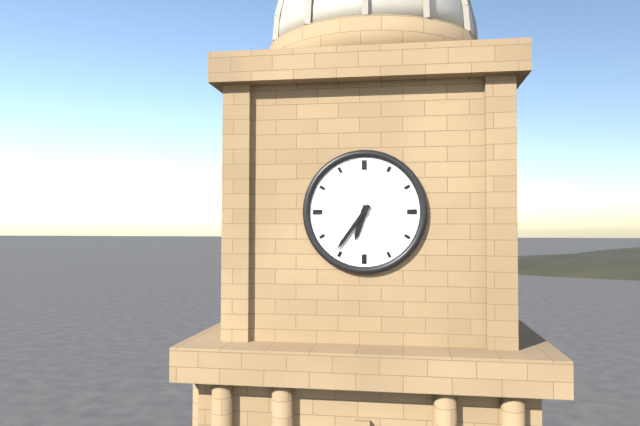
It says 6:36
